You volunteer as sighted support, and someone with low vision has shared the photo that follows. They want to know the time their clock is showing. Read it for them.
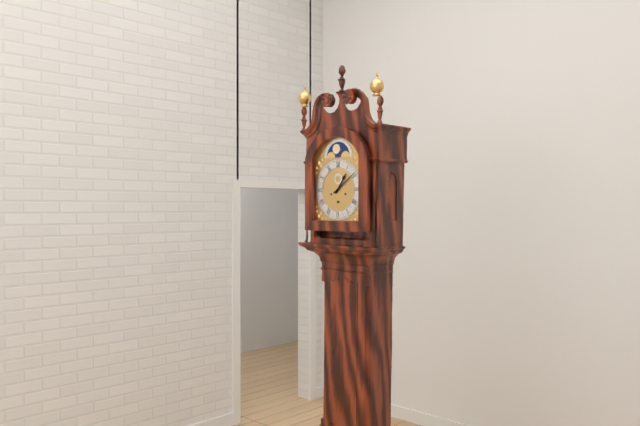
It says 1:09
